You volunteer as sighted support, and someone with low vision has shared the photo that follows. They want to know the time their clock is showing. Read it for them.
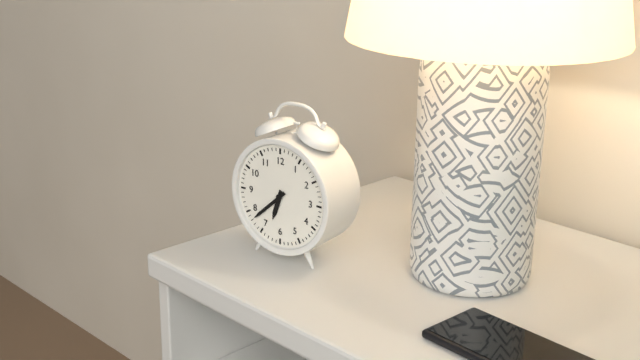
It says 6:38
